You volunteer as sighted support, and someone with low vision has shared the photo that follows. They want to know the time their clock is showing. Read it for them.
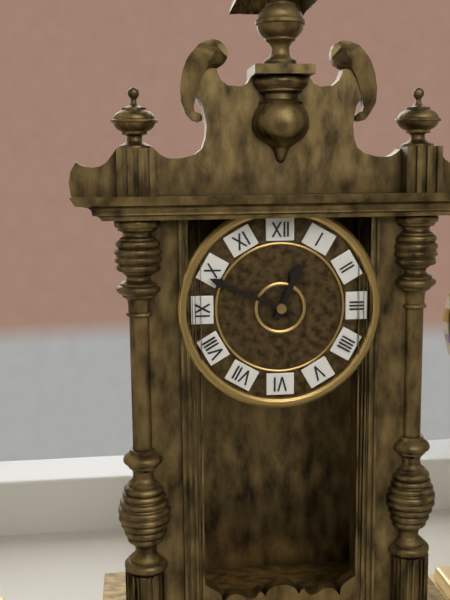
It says 12:49
